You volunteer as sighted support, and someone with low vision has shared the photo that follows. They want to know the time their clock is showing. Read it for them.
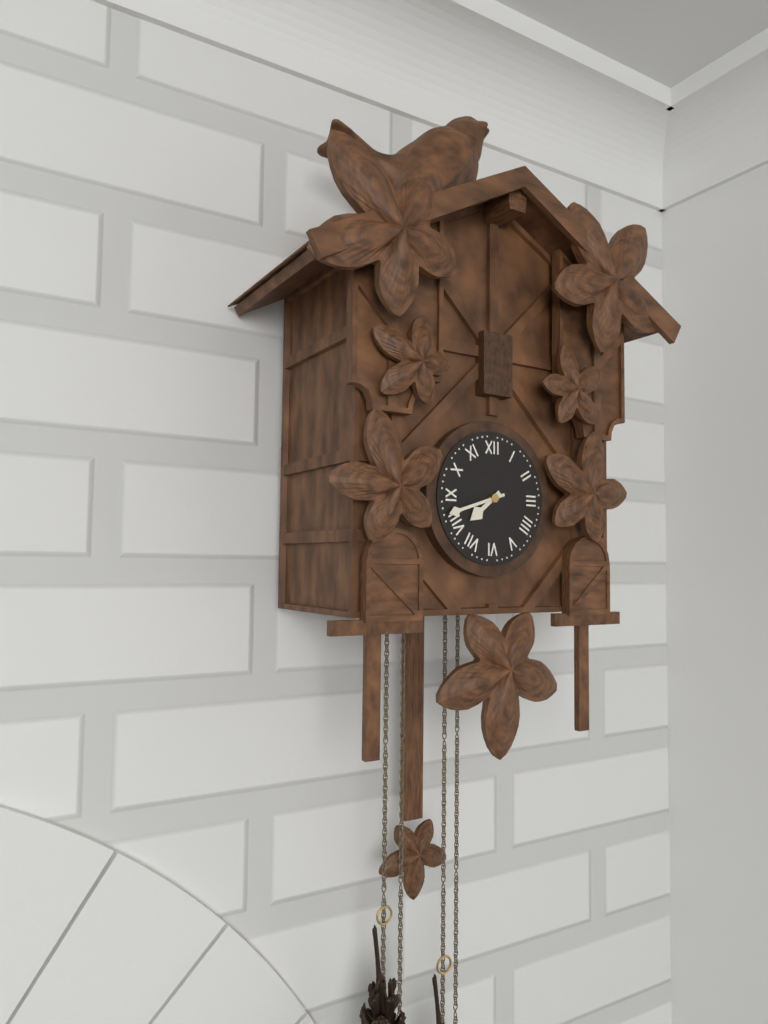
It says 7:42
